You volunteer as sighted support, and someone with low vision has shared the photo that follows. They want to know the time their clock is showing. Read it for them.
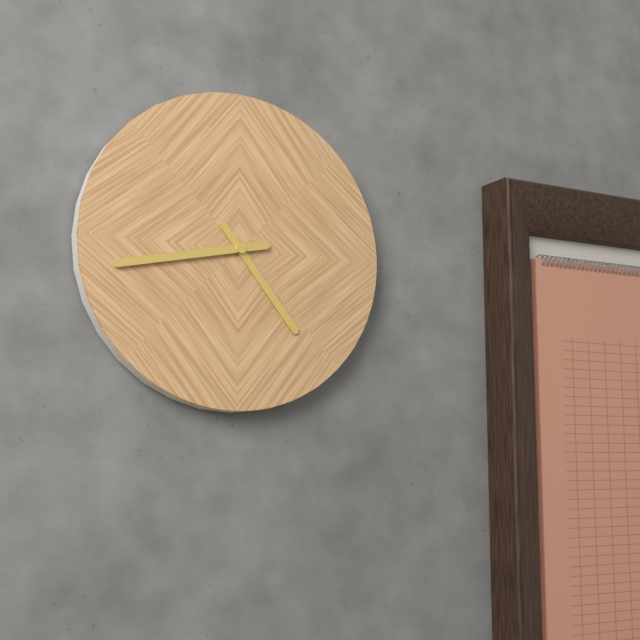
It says 4:43
